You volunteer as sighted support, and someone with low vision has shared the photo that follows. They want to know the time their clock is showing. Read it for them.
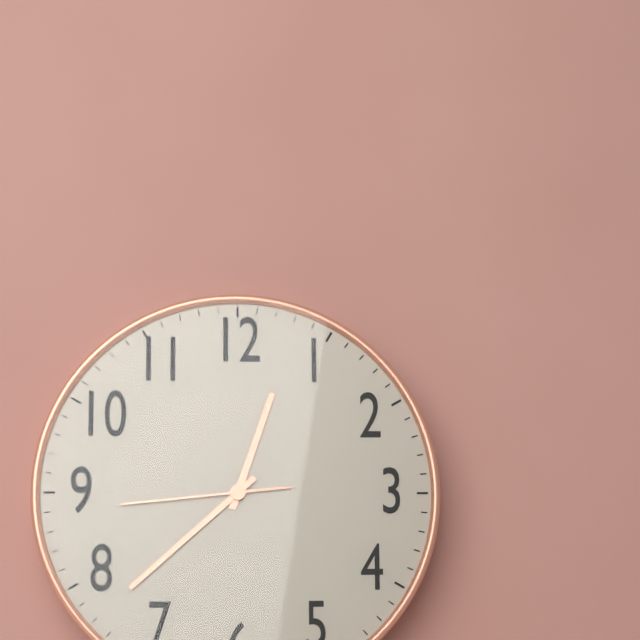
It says 12:38:44
